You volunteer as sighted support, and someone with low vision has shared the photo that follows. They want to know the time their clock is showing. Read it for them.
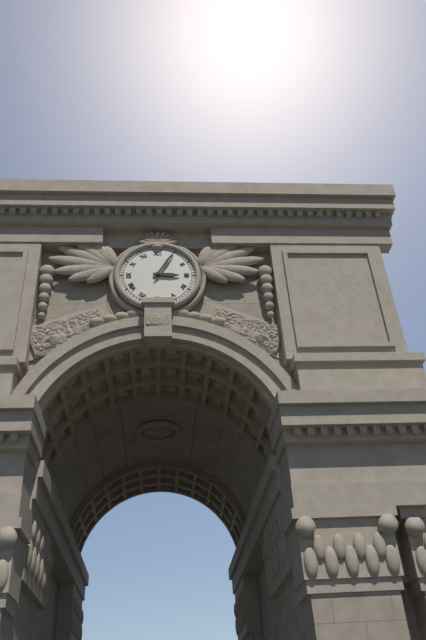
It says 3:05
